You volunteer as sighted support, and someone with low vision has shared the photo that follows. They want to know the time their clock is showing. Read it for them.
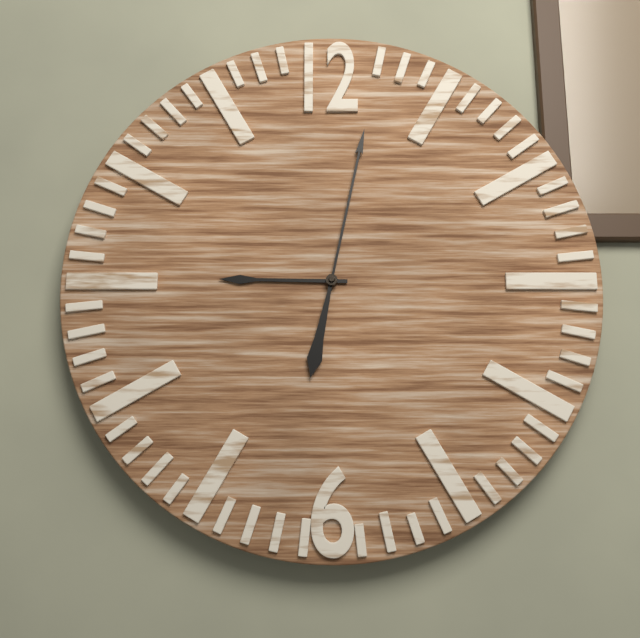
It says 9:02
